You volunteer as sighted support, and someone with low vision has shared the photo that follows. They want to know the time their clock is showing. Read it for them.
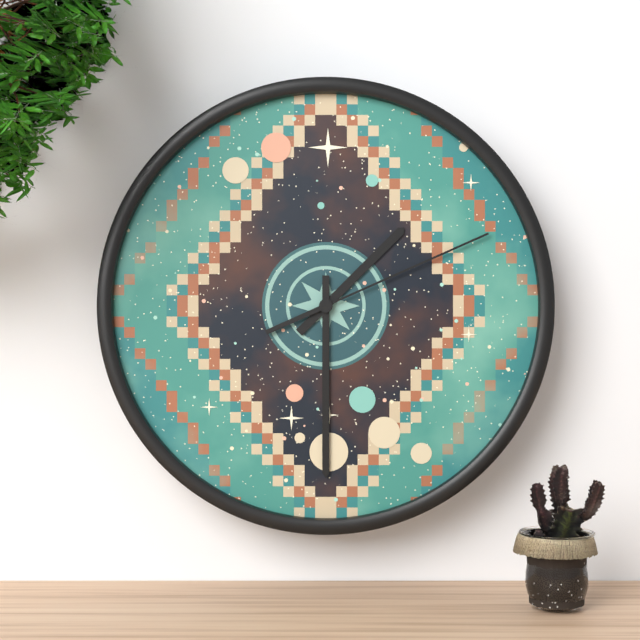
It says 1:30:11
